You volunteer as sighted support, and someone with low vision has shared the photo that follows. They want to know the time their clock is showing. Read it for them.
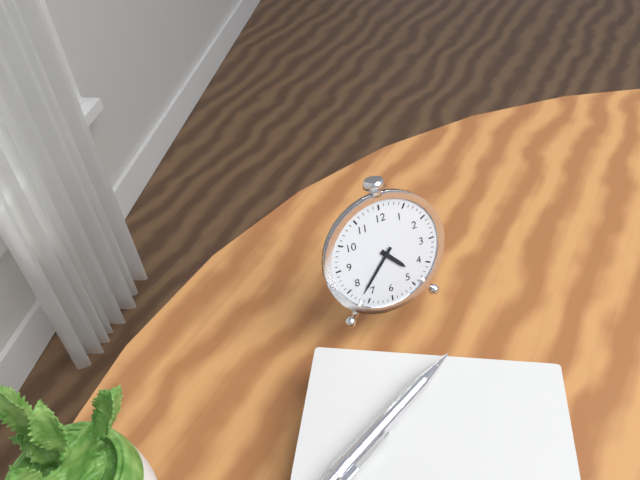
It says 4:37
